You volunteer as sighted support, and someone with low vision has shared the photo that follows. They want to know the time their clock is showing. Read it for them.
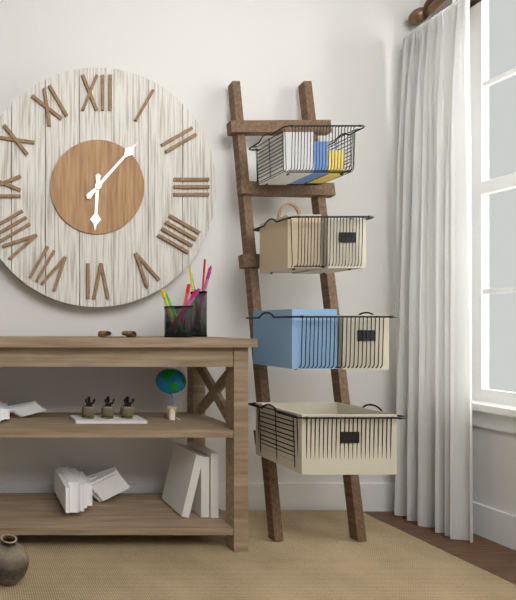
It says 6:07
